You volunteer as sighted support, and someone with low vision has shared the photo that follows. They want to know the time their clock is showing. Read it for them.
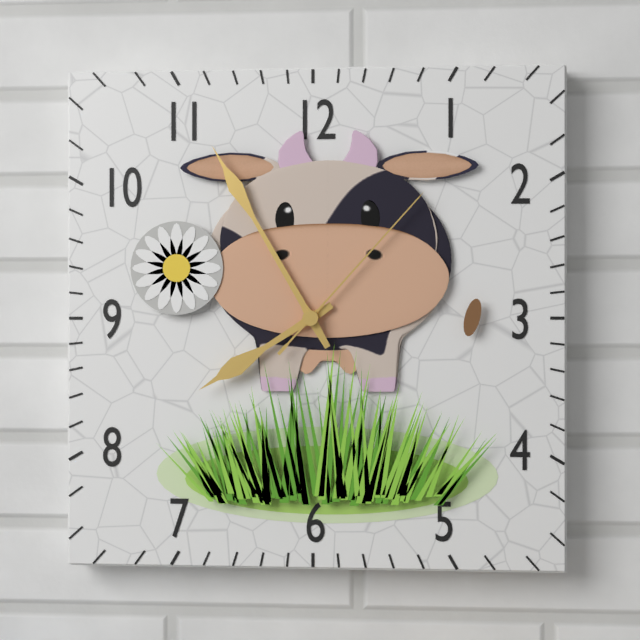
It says 7:55:07
